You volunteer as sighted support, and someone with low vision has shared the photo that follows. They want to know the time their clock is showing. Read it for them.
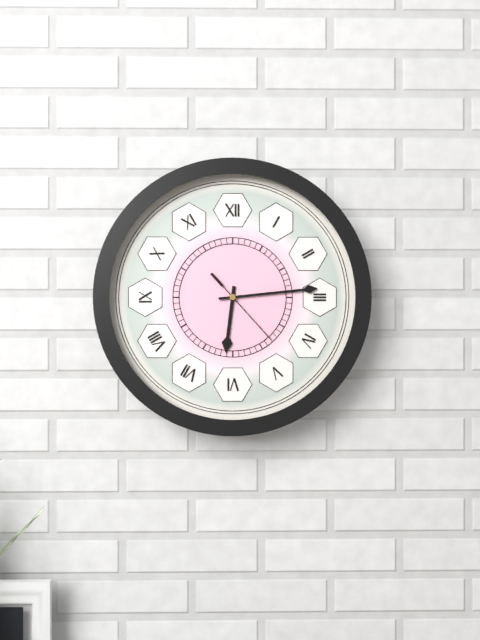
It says 6:14:23
